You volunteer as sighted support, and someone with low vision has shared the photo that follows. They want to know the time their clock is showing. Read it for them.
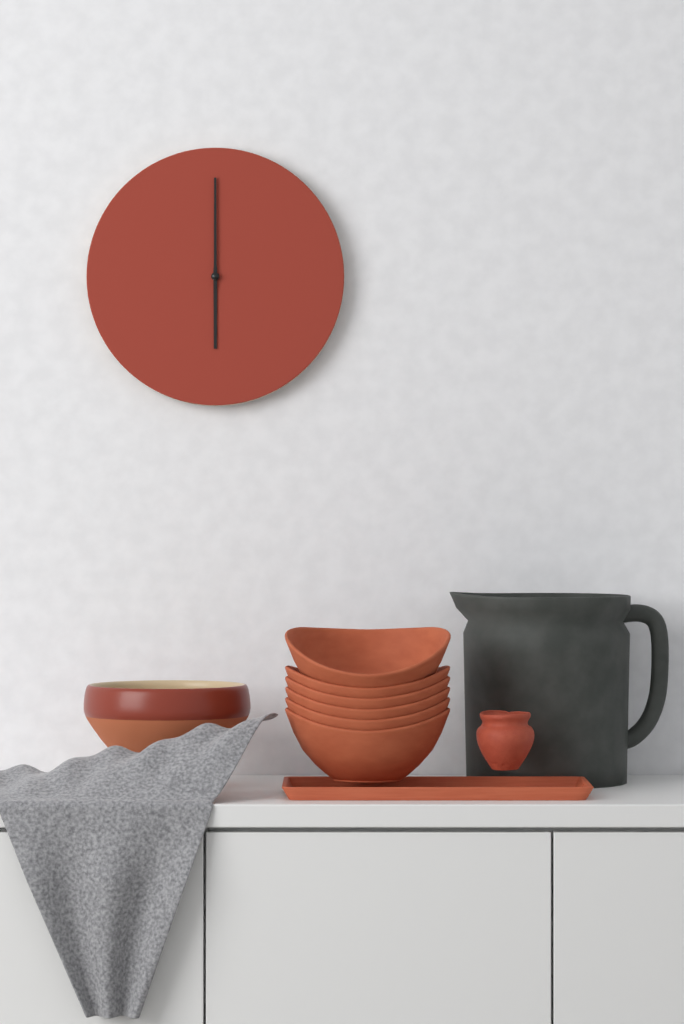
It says 6:00
